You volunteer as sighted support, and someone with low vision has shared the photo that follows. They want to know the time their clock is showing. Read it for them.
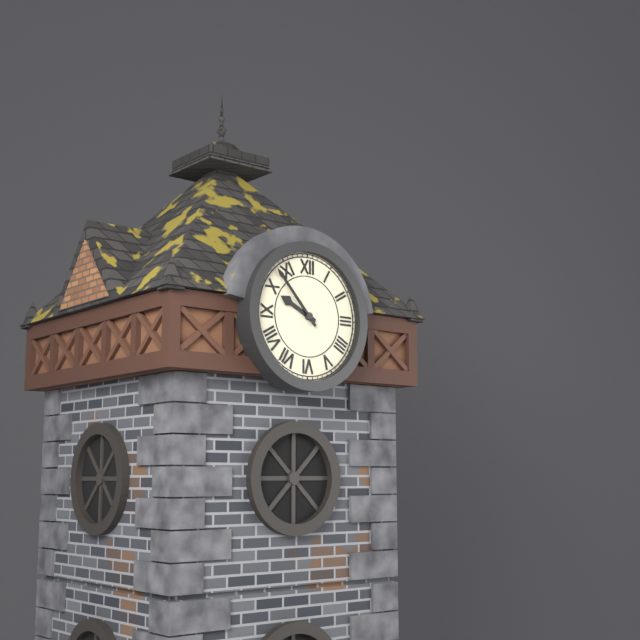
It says 9:53
